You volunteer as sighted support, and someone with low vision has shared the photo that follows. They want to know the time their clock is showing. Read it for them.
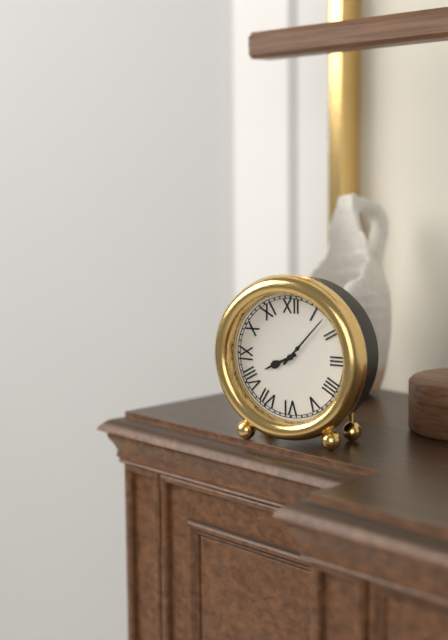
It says 8:07
